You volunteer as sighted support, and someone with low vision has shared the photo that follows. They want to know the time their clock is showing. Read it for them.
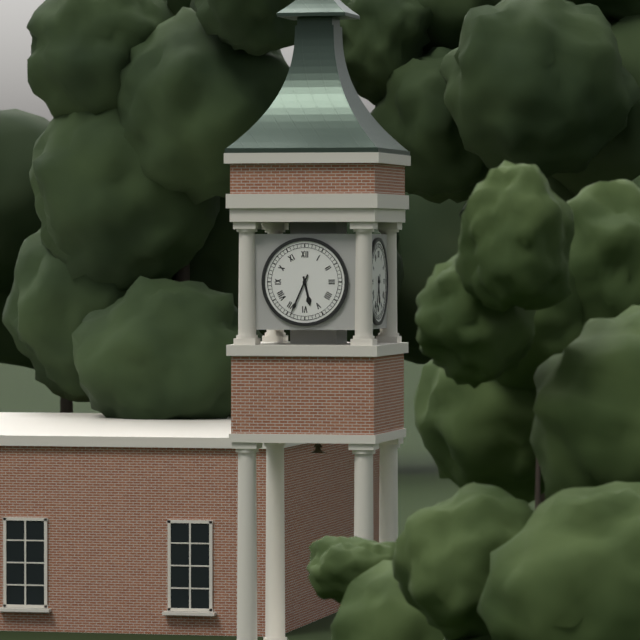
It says 5:34
